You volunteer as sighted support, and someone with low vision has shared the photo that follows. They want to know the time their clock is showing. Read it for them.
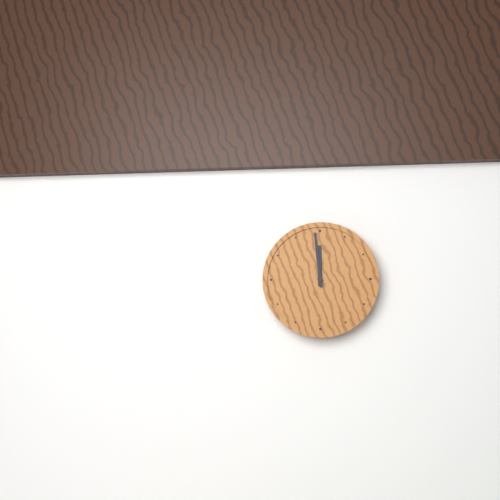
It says 11:59
